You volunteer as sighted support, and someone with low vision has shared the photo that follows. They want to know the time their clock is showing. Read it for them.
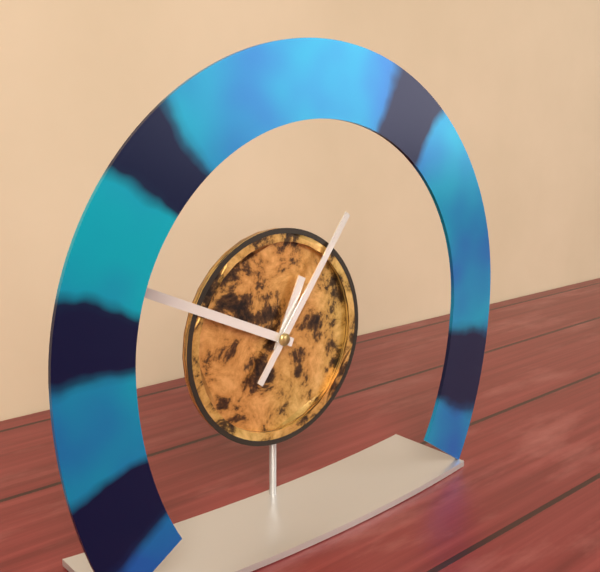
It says 12:49:06
